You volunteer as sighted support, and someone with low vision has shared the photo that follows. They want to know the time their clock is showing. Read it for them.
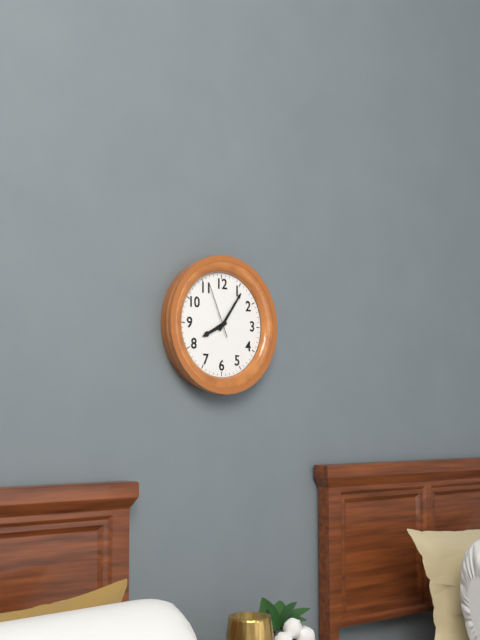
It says 8:06:56
